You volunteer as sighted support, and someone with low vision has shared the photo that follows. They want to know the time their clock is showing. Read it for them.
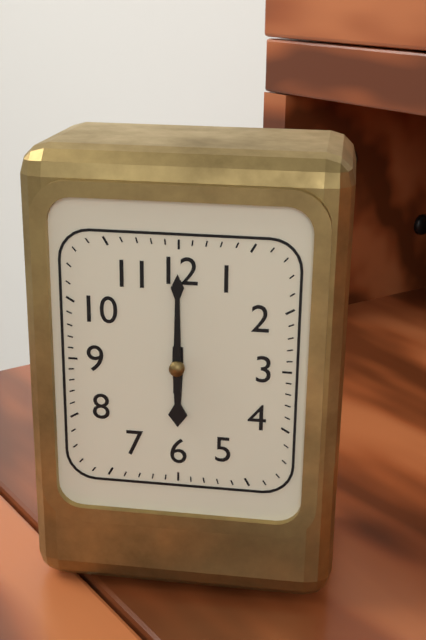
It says 6:00
